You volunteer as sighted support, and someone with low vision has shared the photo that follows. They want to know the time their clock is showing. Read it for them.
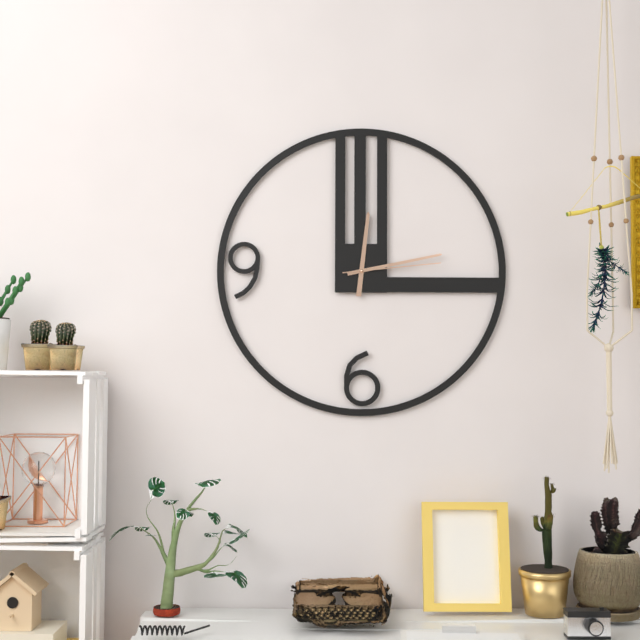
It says 12:13:14
